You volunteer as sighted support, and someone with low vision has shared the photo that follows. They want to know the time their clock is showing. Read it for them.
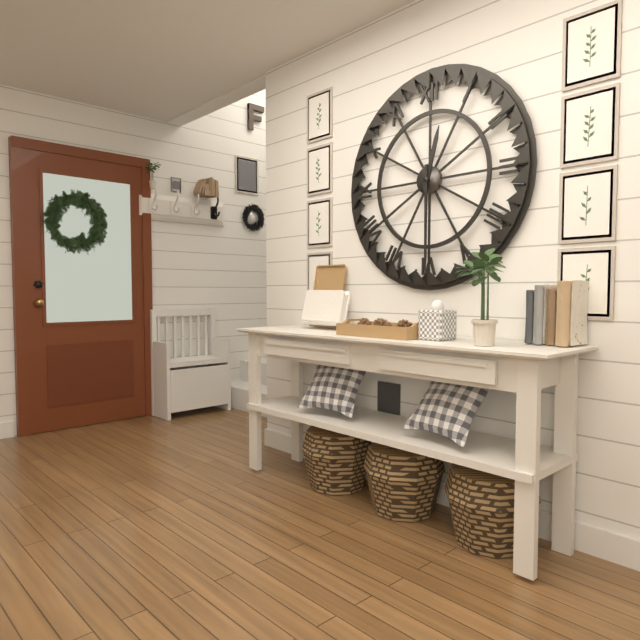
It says 12:30
